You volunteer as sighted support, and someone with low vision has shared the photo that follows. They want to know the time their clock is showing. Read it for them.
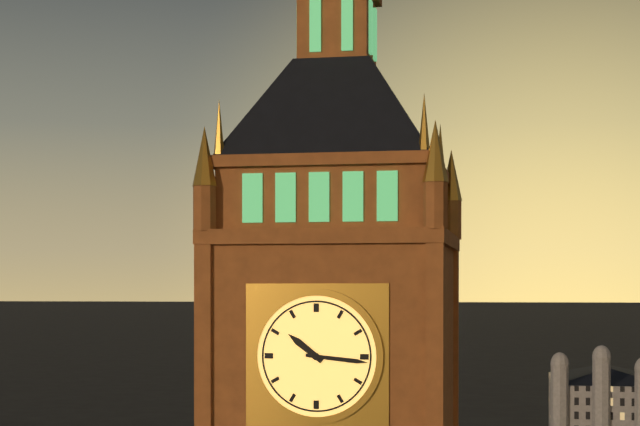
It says 10:16
